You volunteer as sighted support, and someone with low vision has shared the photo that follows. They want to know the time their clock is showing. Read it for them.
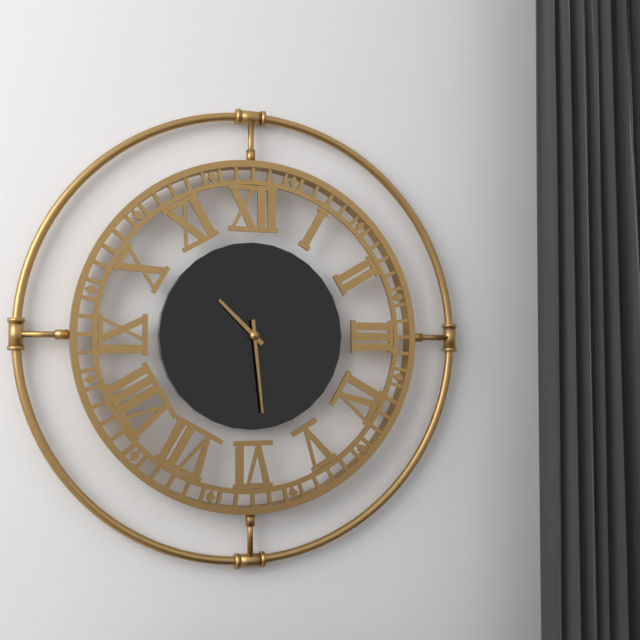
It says 10:29
